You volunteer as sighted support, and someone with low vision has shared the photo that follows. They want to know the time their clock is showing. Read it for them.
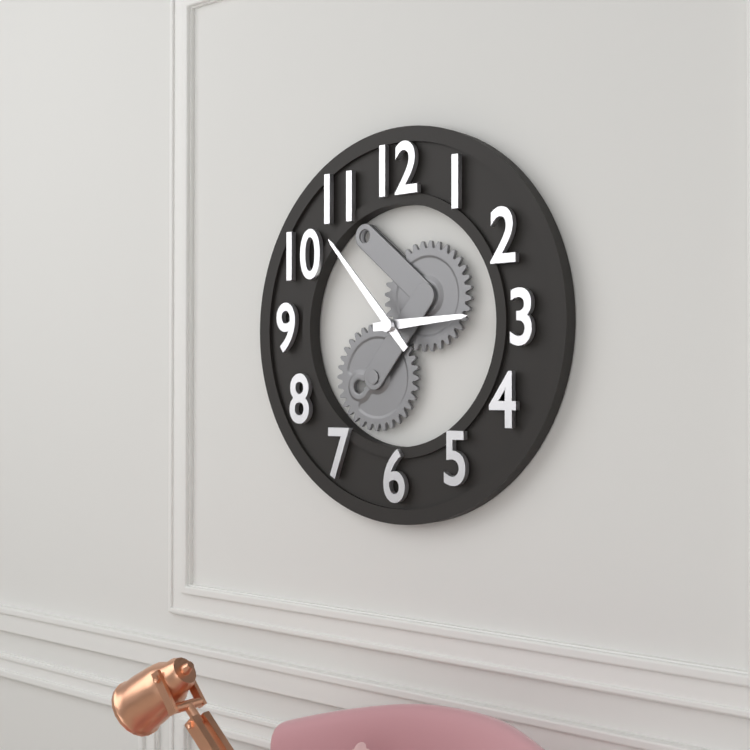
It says 2:53
